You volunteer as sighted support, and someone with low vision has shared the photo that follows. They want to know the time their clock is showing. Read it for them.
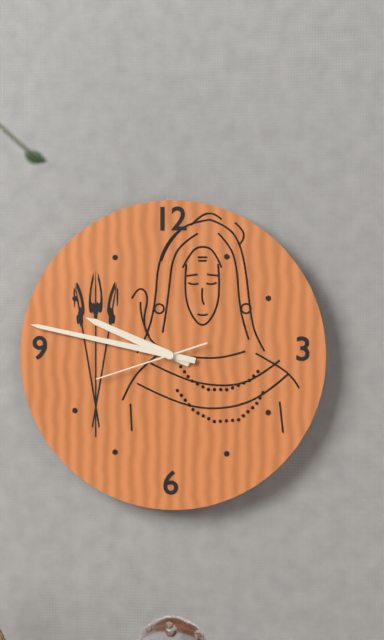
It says 9:47:42
